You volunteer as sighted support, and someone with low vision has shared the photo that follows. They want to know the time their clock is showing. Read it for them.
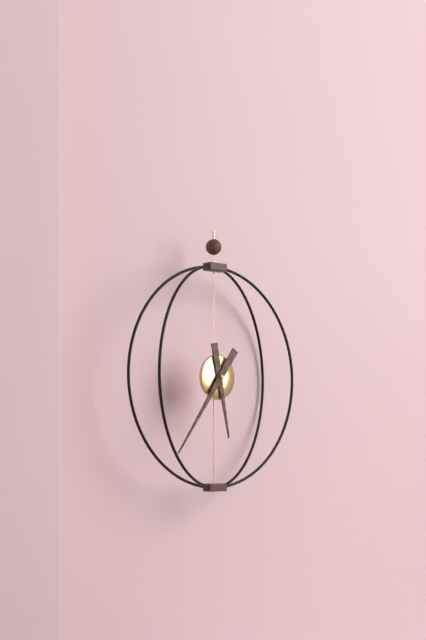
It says 5:36
